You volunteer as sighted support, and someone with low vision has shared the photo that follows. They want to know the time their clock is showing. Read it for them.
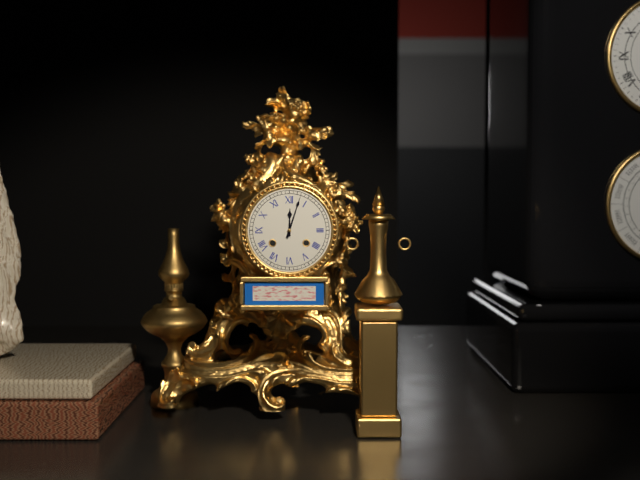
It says 12:03
